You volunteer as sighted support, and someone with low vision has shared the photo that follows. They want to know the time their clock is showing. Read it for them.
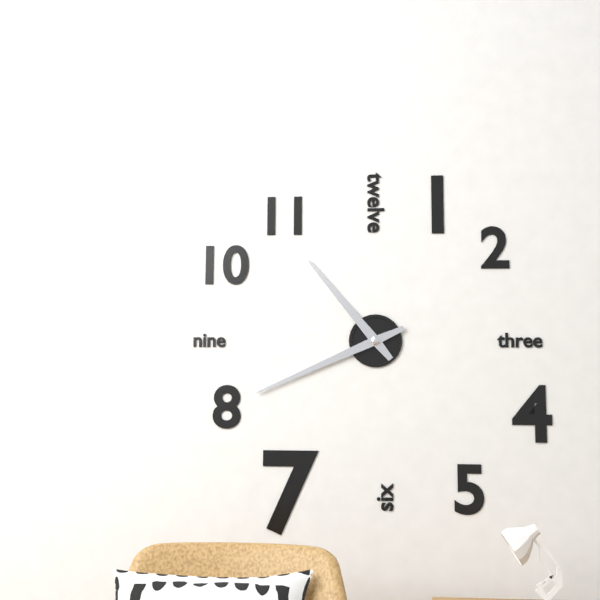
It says 10:41
